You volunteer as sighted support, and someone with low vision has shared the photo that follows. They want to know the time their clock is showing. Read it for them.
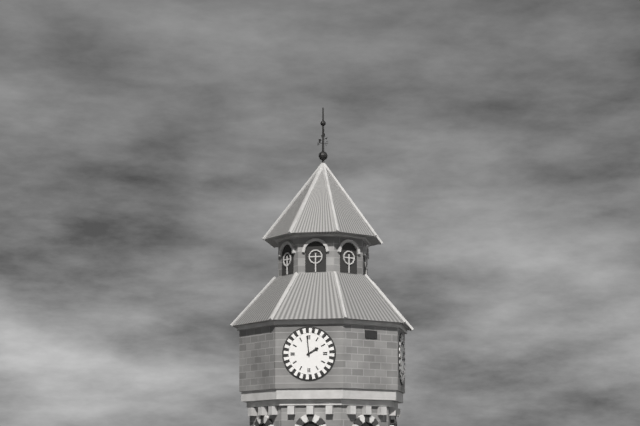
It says 1:59
